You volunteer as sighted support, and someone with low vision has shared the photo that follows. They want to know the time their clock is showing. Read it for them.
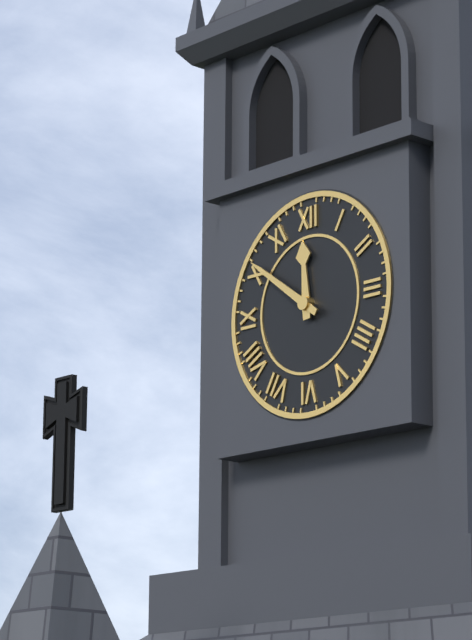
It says 11:51
